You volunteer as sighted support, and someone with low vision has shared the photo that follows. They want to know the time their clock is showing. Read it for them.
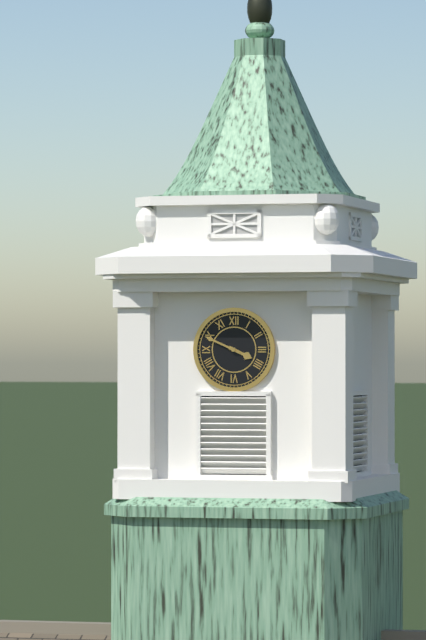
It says 3:49
